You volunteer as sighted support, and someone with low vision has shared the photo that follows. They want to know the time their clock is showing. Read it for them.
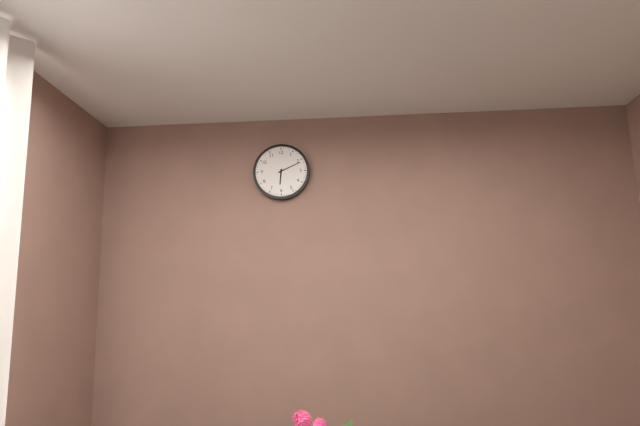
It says 6:11
